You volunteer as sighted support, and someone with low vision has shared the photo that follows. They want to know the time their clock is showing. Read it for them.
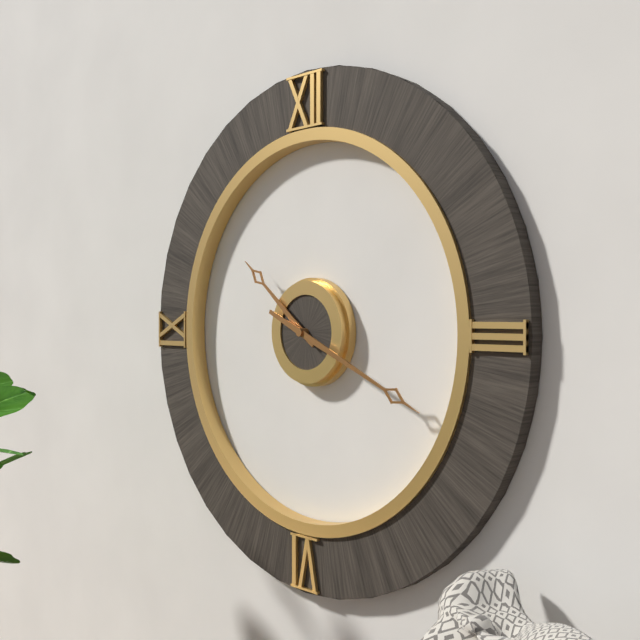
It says 10:19
